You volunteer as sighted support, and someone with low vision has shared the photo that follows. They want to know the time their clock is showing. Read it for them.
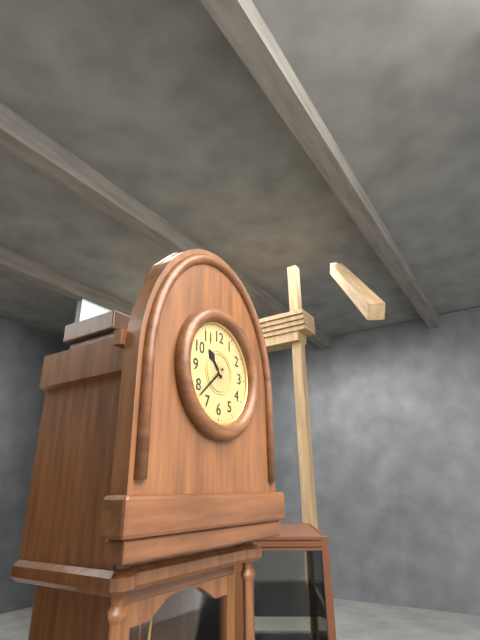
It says 10:38
